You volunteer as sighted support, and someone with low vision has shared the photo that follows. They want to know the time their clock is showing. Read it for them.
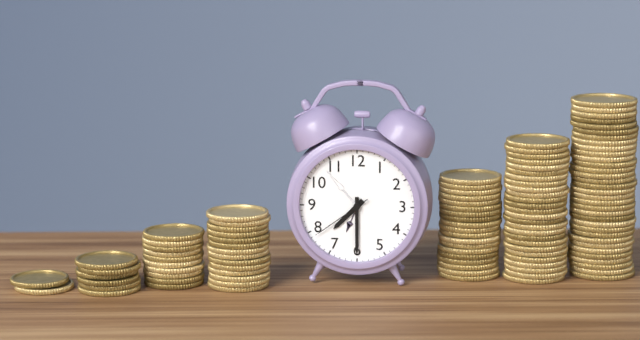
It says 7:30:39
